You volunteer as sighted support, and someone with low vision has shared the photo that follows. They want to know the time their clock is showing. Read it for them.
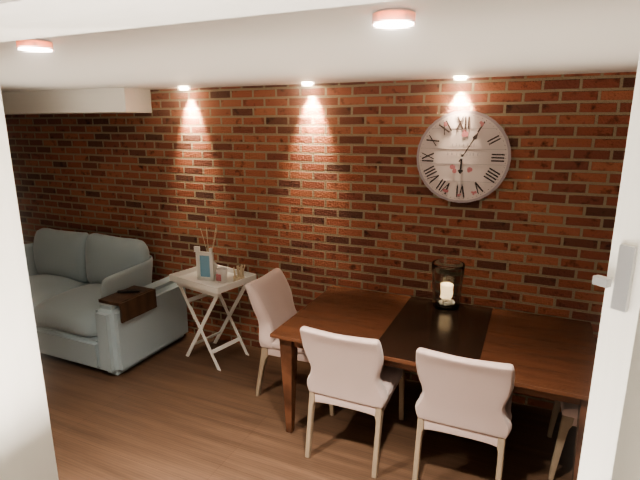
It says 6:05
